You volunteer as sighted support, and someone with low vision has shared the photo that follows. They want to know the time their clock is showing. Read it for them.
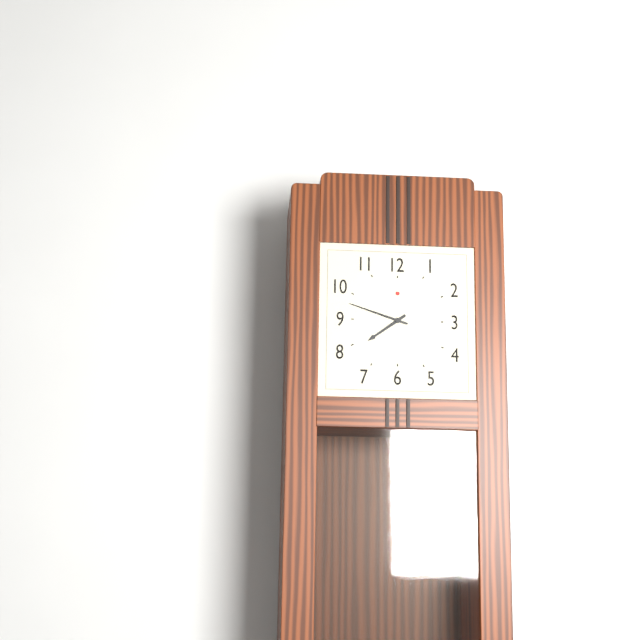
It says 7:48
